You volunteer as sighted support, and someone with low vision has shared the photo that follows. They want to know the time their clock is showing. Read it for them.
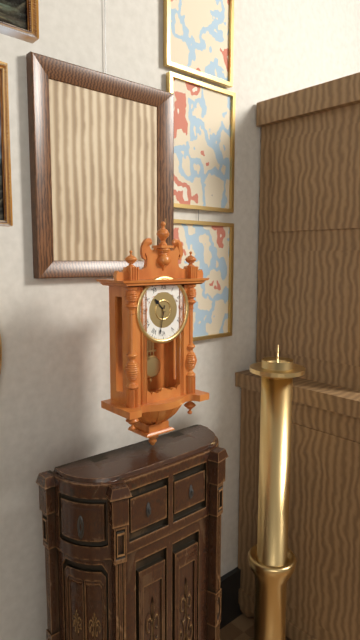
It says 10:32
